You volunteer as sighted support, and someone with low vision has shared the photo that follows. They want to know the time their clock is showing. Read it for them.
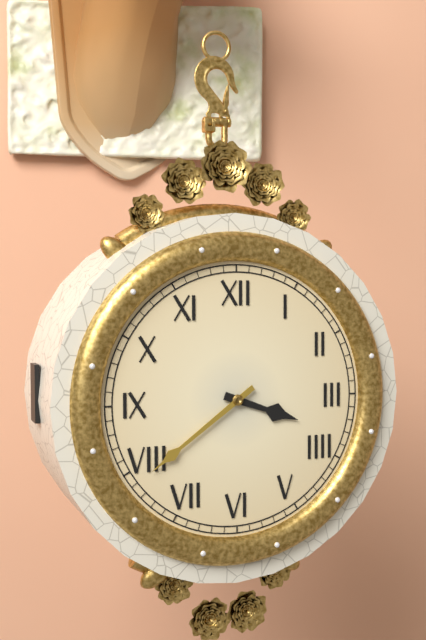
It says 3:39
